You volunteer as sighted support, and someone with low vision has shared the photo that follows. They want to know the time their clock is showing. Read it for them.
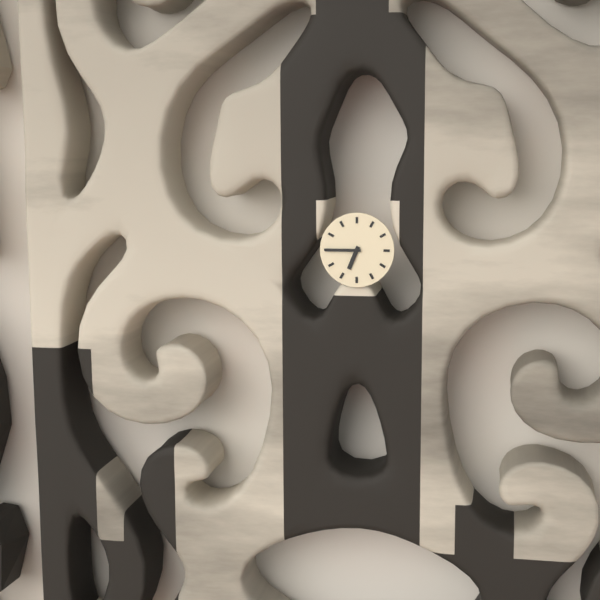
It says 6:45
